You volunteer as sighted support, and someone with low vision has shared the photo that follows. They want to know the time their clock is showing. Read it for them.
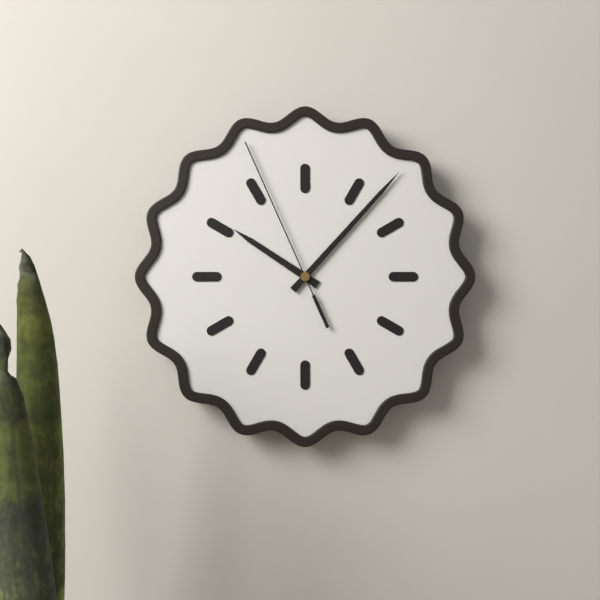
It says 10:07:56
